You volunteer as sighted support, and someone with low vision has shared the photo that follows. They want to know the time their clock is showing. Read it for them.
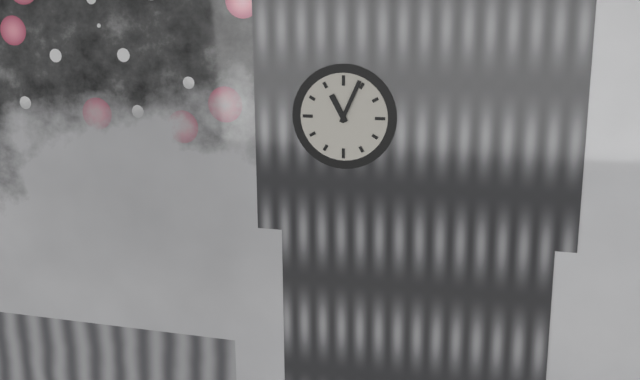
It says 11:04
